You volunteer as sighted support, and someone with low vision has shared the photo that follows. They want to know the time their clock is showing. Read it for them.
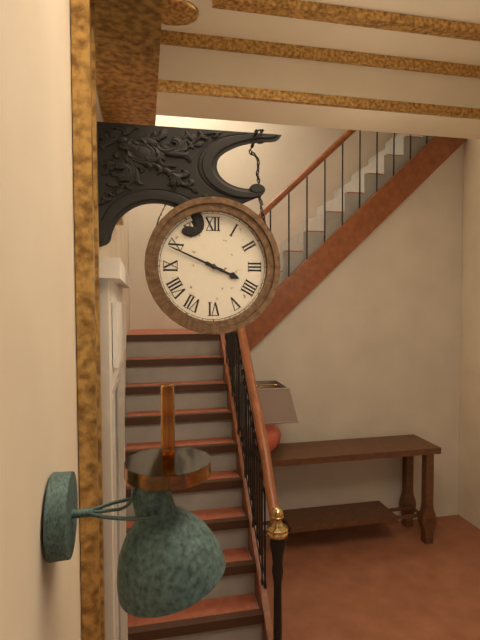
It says 3:49
